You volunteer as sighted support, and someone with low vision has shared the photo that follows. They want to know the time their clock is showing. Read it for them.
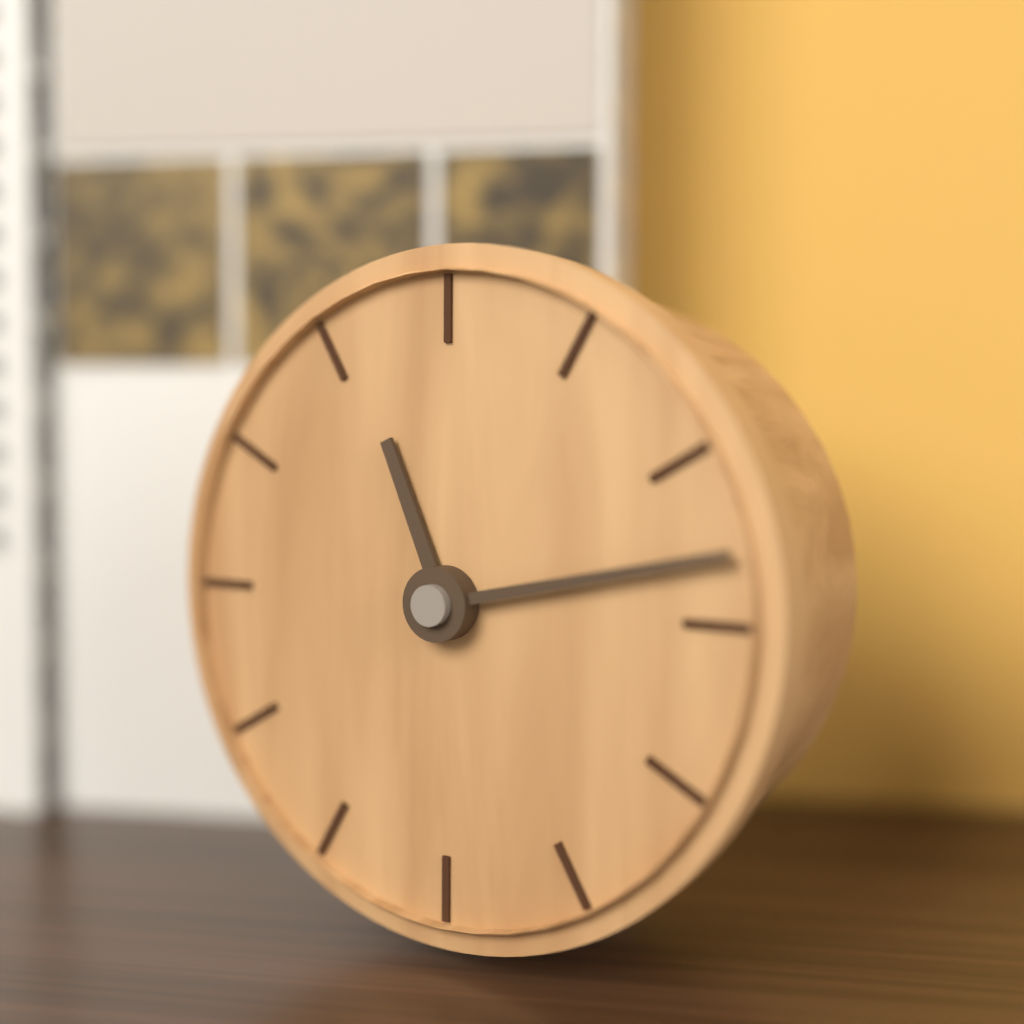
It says 11:13
